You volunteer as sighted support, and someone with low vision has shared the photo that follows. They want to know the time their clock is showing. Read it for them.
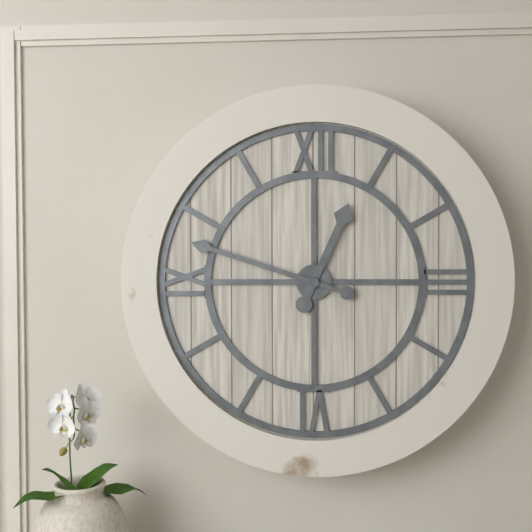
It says 12:48
